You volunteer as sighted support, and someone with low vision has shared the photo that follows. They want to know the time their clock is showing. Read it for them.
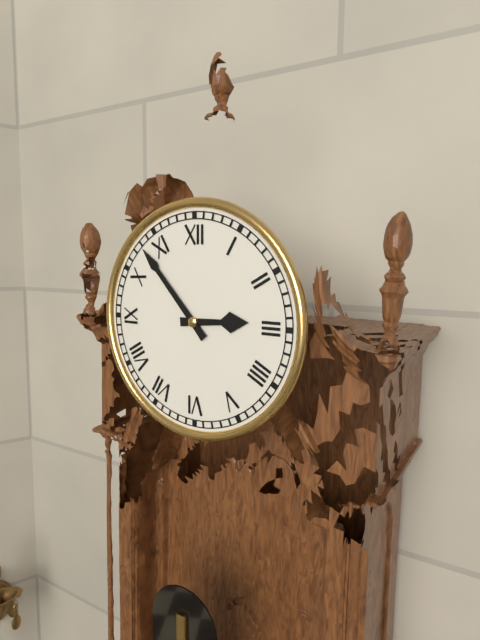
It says 2:53
